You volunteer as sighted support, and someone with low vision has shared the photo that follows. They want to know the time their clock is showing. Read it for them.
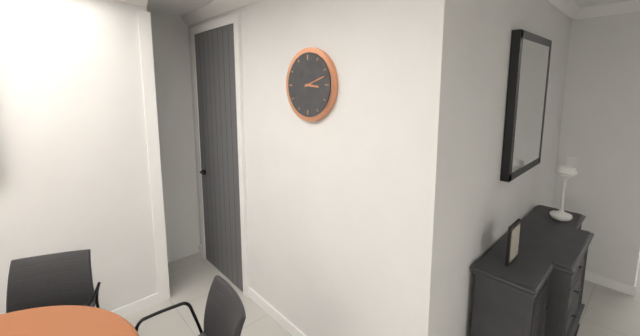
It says 3:12
